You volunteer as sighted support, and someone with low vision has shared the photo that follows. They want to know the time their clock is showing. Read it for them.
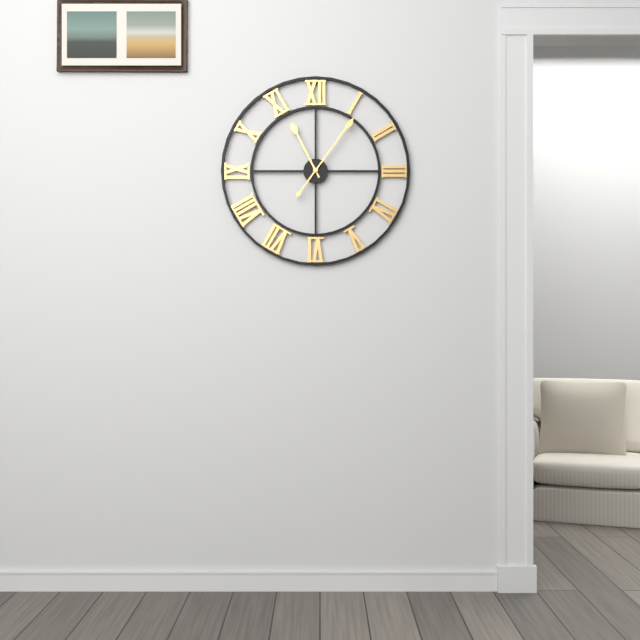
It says 11:06
